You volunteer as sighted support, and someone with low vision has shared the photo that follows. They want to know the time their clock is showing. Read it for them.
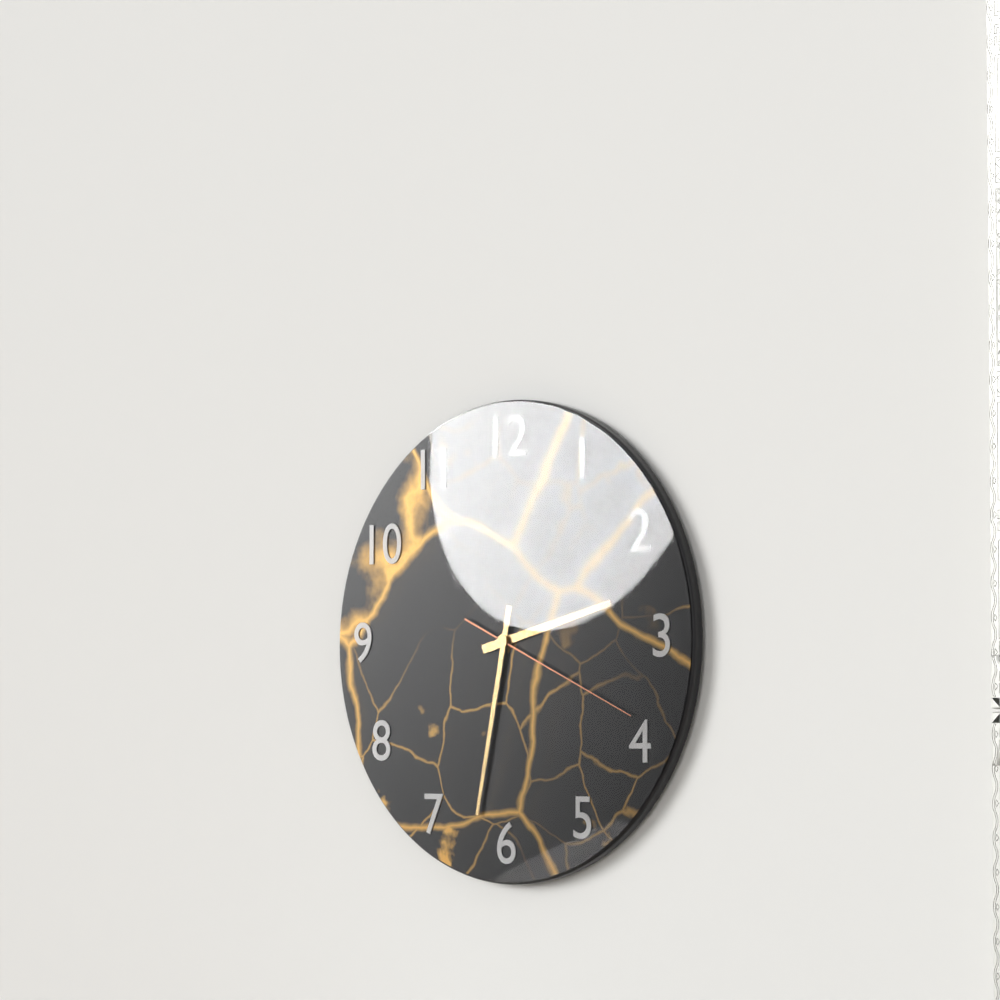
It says 2:32:19
